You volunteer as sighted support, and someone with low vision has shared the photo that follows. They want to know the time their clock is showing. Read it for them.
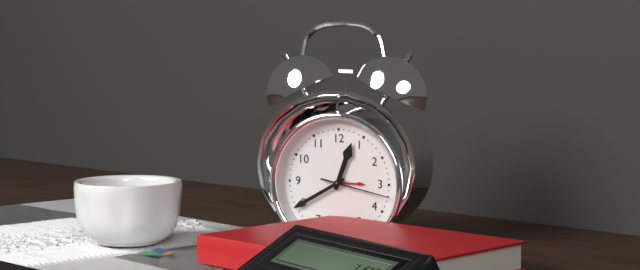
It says 12:40:17
